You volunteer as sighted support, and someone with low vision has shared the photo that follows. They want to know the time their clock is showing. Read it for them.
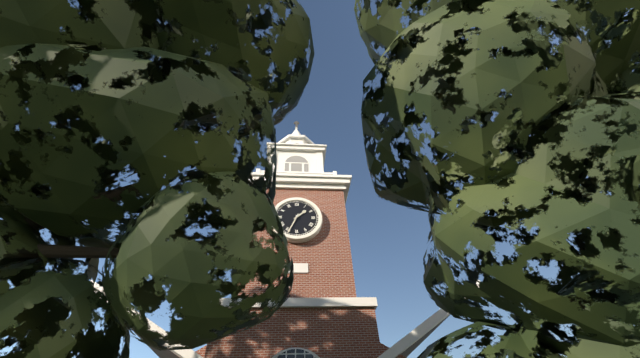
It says 1:34
